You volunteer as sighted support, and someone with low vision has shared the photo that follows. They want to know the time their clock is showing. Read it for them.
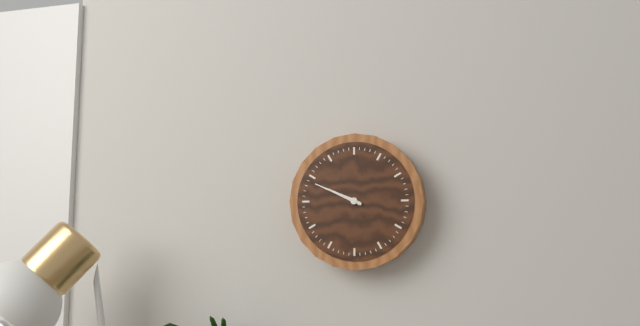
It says 9:49
